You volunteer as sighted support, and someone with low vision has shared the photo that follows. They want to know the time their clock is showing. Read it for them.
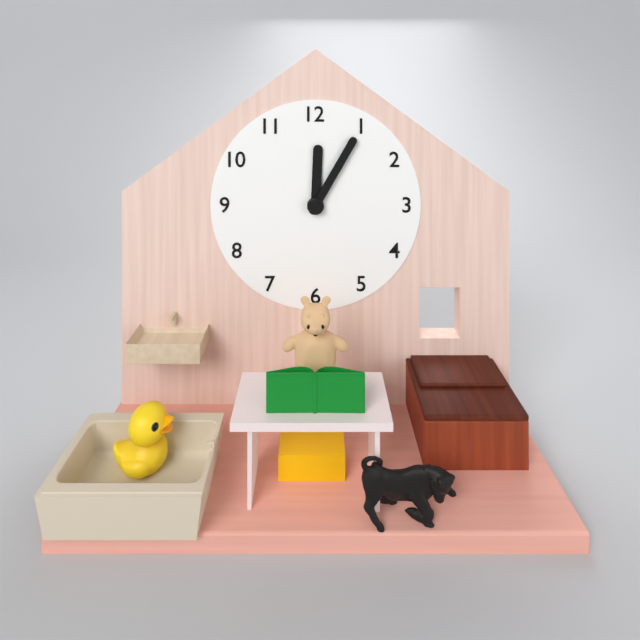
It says 12:05
